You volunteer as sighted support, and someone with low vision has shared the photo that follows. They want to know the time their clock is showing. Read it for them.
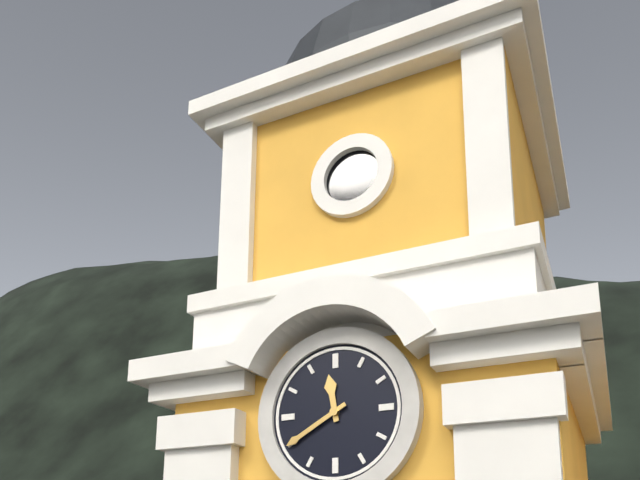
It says 11:40
